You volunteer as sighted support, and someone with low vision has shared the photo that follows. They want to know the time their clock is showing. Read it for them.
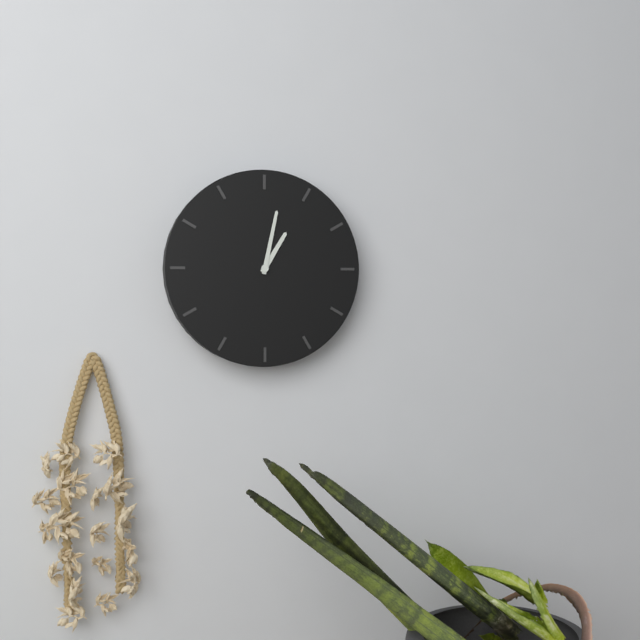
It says 1:02
